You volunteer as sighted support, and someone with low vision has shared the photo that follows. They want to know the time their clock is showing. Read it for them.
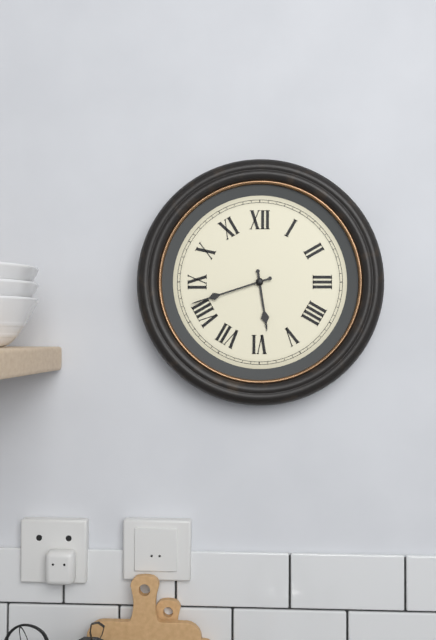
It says 5:42
